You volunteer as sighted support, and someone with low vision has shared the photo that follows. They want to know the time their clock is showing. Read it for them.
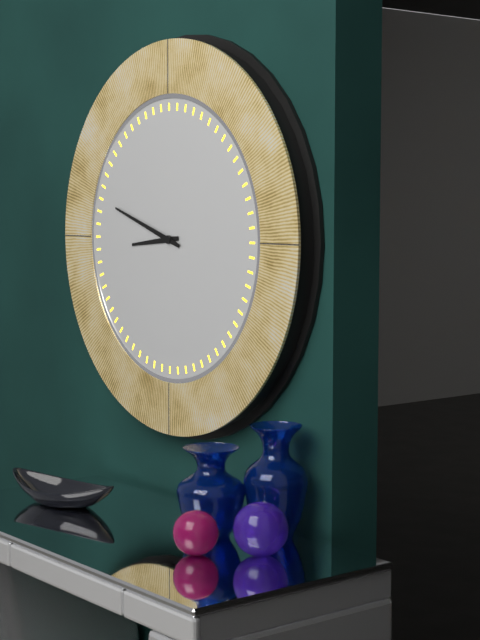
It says 8:48
